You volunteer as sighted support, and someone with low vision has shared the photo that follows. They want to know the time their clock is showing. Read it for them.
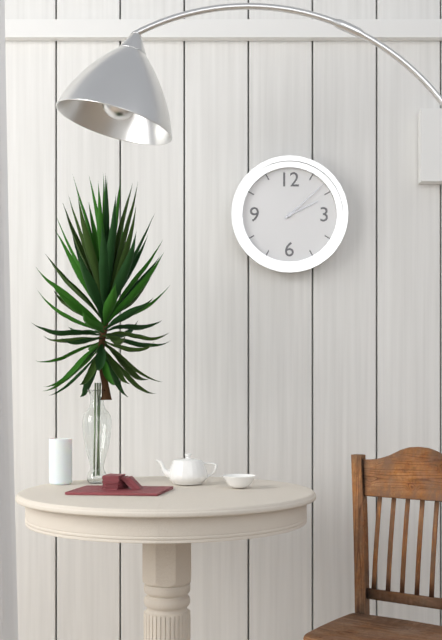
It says 2:08
